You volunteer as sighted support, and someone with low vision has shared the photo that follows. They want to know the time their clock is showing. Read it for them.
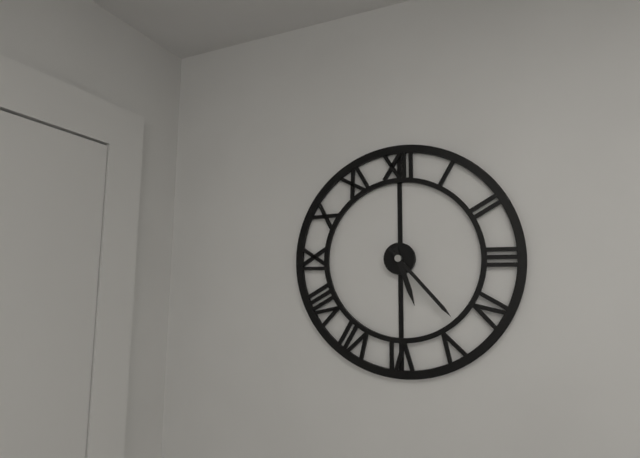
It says 5:23
